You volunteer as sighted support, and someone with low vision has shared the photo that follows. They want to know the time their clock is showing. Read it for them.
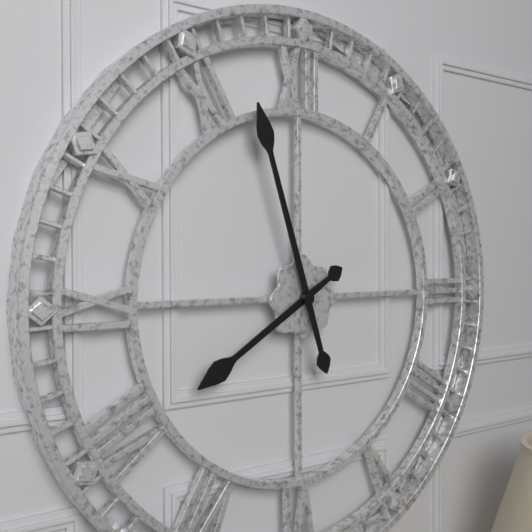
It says 7:57
